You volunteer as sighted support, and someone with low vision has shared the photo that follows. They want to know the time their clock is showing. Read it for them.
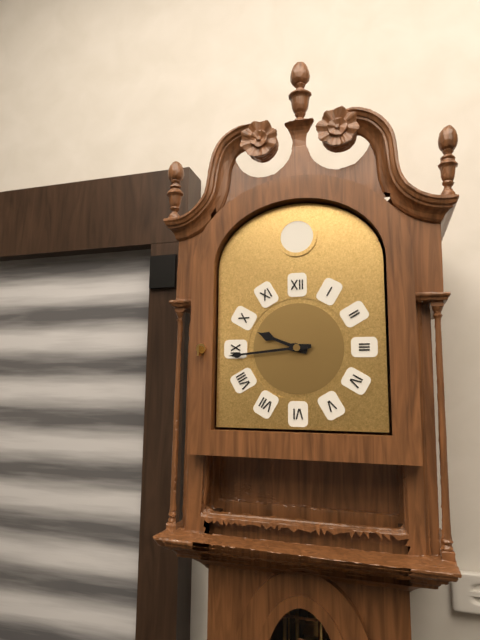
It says 9:44
